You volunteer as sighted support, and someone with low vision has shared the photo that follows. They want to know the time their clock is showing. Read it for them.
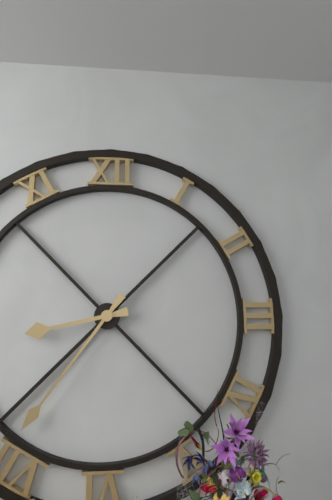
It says 8:36
